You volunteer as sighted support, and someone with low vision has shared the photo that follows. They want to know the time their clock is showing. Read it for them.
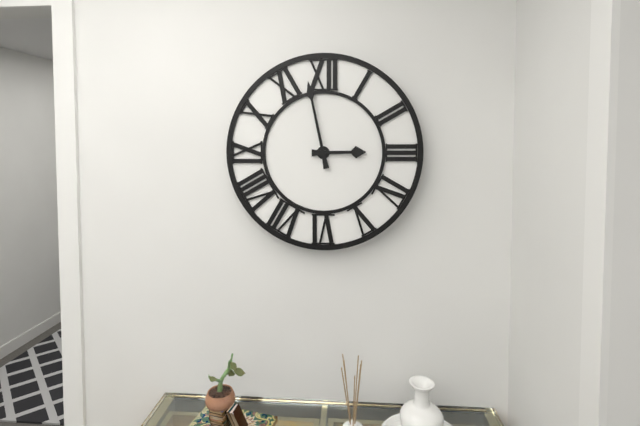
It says 2:58
